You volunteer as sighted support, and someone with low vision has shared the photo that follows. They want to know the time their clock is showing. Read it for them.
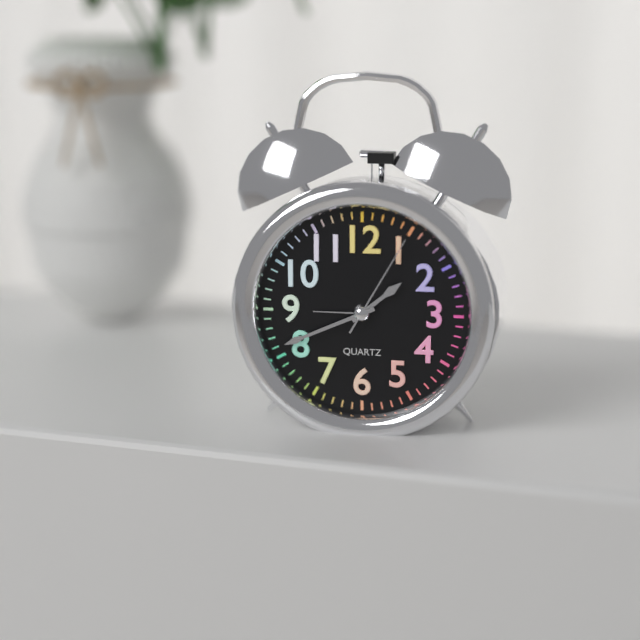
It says 1:41:05
